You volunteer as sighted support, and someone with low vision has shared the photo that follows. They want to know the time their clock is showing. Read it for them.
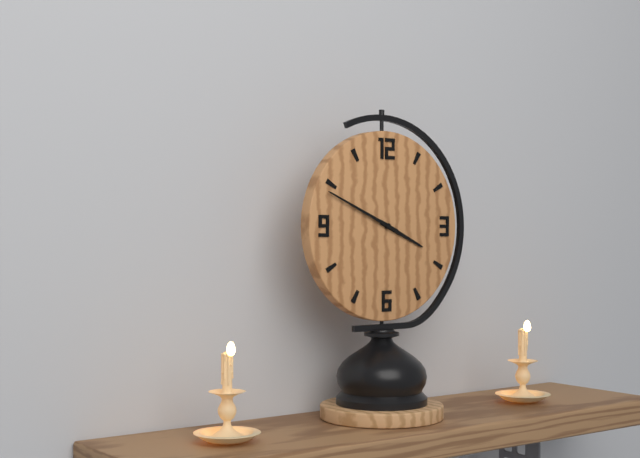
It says 3:49
